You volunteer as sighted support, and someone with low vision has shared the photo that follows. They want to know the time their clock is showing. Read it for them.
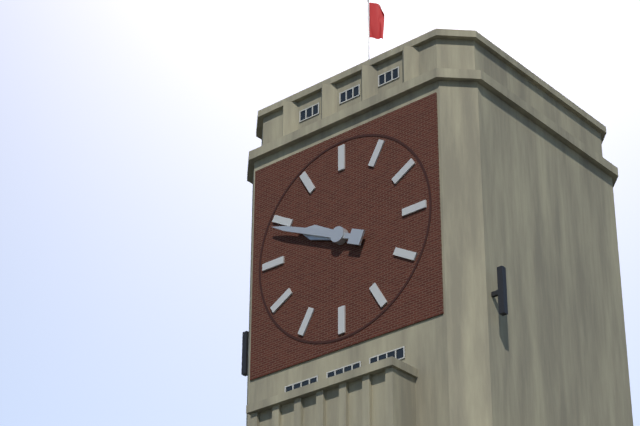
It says 9:49
